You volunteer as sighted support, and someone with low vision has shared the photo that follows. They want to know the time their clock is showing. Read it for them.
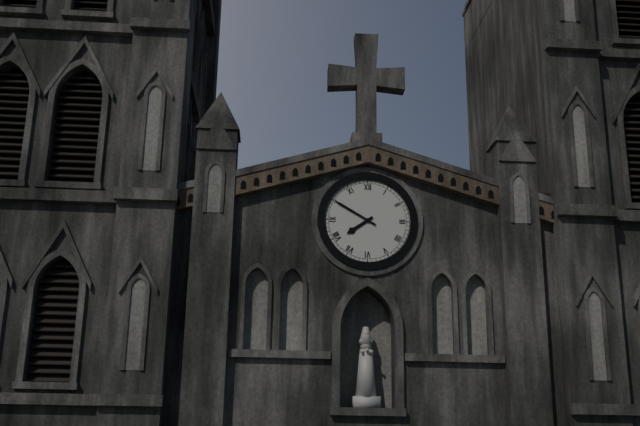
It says 7:50
